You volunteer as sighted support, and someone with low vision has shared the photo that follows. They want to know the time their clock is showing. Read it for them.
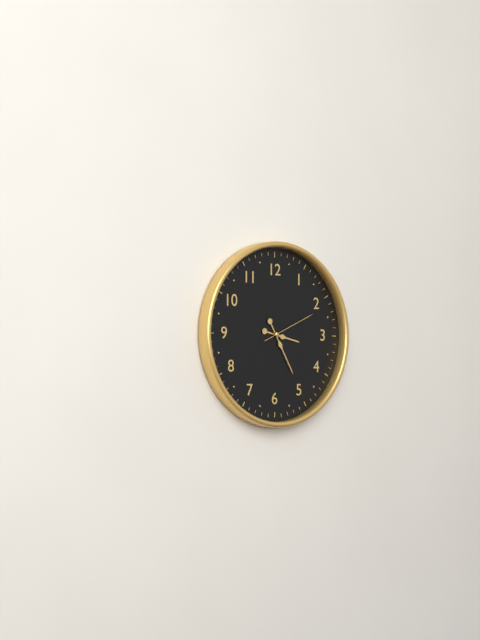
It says 3:25:11
